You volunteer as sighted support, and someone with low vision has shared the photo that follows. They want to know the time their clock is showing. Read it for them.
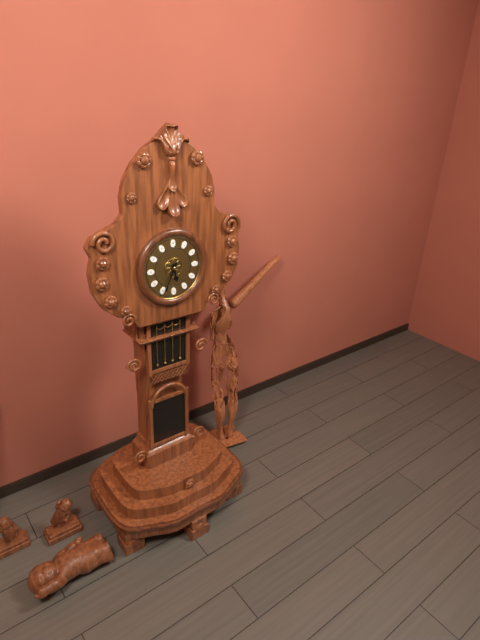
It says 5:34
